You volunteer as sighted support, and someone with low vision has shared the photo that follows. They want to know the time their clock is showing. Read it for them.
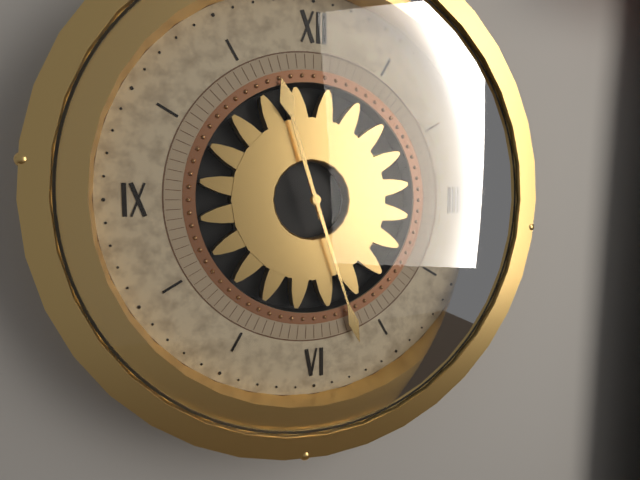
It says 11:27
